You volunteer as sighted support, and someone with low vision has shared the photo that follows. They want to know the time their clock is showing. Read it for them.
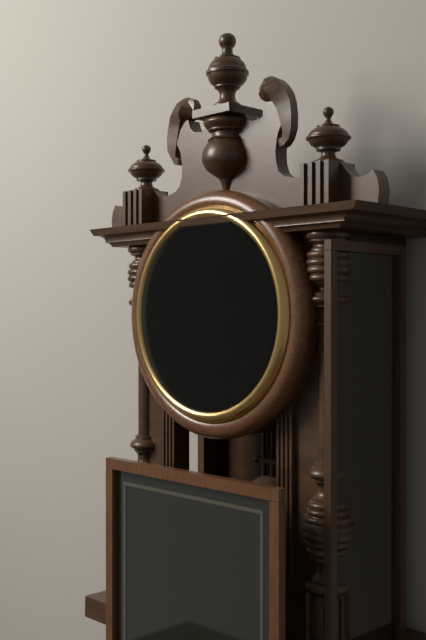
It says 11:00
